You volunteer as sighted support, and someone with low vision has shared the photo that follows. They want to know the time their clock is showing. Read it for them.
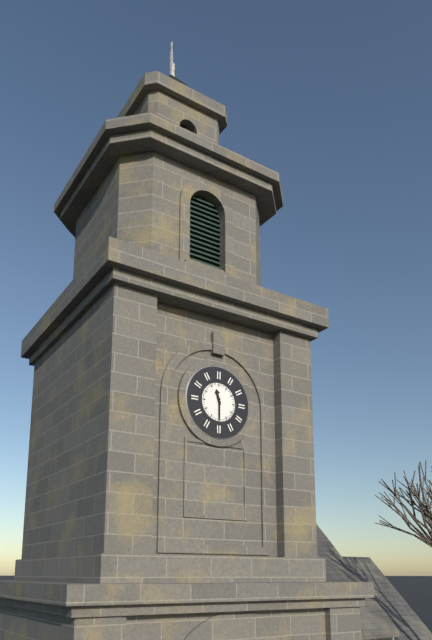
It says 11:30
